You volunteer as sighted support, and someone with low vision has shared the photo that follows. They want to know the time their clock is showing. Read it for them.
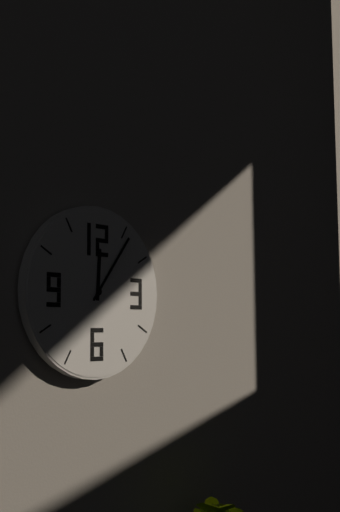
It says 12:06
